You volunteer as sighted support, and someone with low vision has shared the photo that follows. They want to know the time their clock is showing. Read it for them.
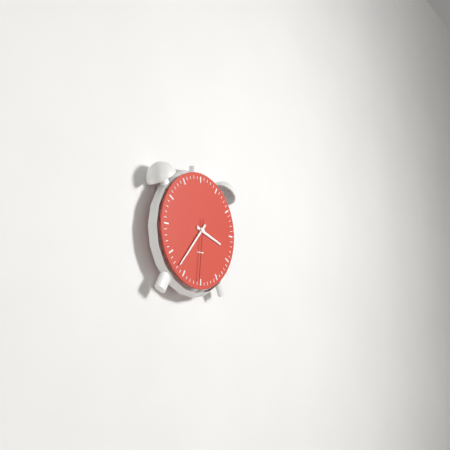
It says 3:37:31
